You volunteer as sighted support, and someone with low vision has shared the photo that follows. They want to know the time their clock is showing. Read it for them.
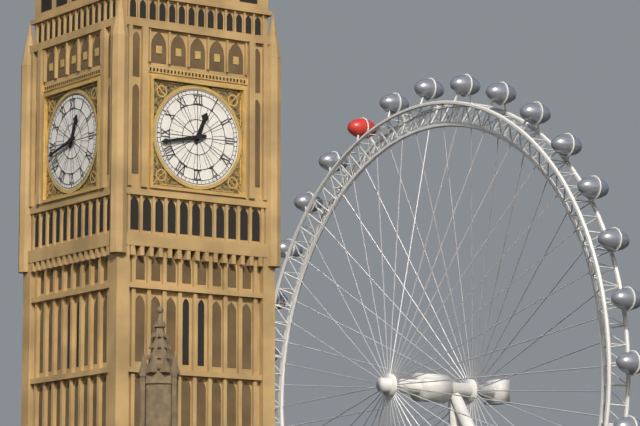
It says 12:43
